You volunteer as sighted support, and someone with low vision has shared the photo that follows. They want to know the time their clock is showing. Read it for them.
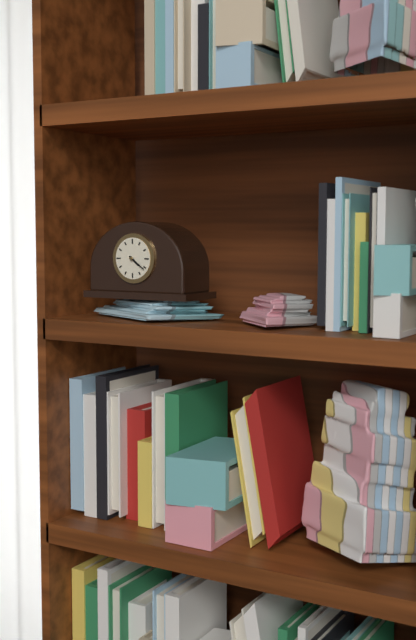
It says 4:21
